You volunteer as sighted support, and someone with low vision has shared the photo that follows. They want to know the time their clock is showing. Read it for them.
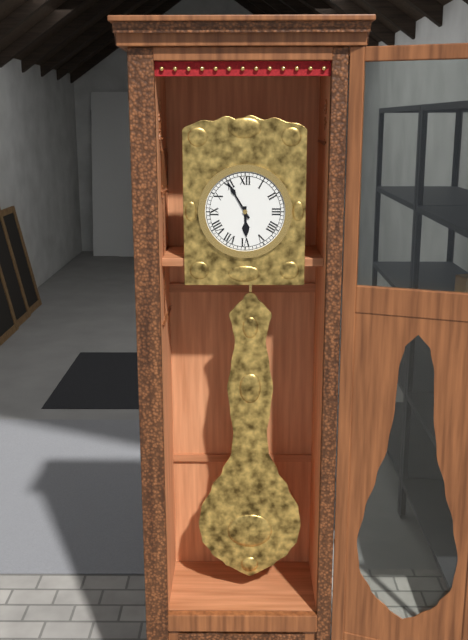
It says 5:55
